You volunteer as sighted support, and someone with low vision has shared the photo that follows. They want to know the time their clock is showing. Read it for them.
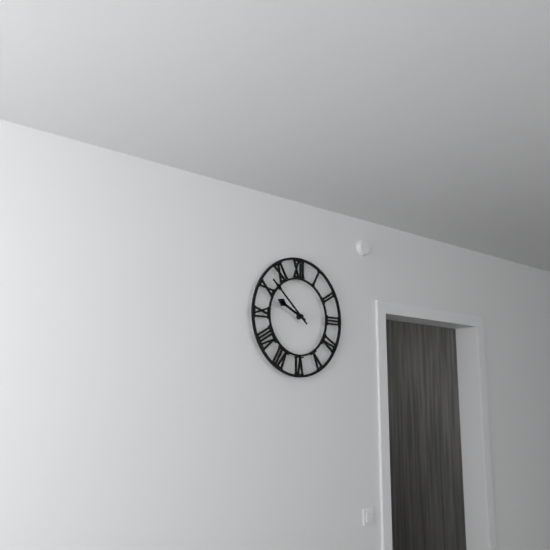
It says 9:52
